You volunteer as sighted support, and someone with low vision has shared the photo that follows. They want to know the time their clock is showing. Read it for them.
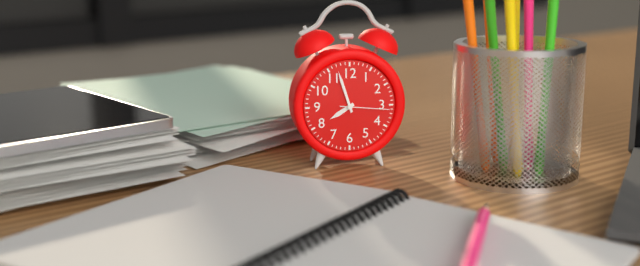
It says 7:57
